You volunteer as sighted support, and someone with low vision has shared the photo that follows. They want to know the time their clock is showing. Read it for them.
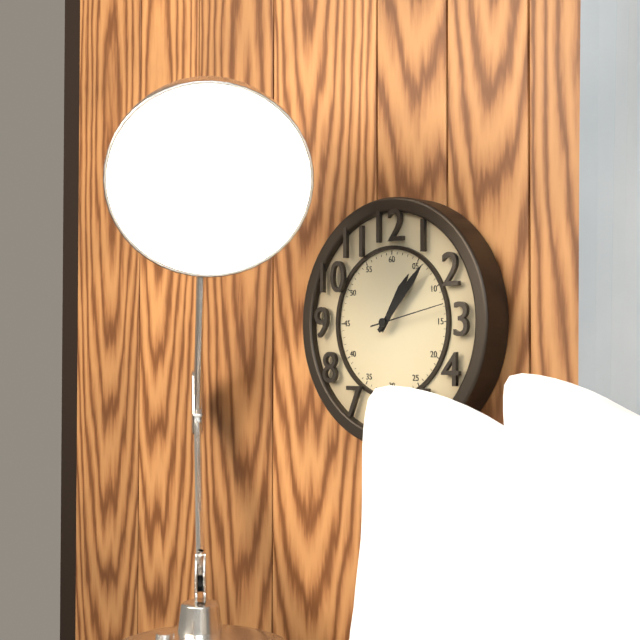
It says 1:07:13
